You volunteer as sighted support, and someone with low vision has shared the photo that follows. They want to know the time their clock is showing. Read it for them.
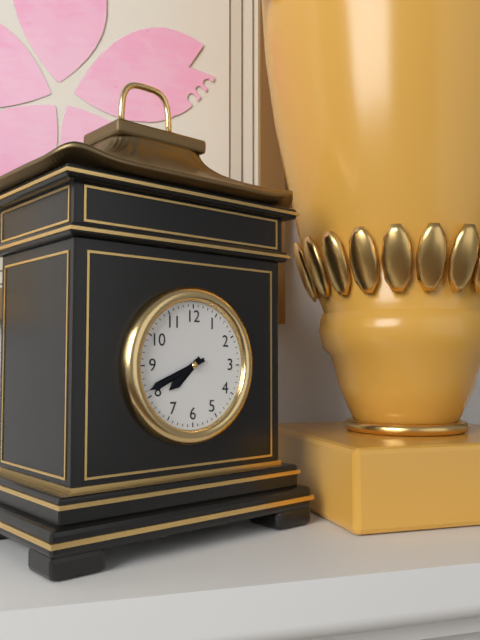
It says 7:41
